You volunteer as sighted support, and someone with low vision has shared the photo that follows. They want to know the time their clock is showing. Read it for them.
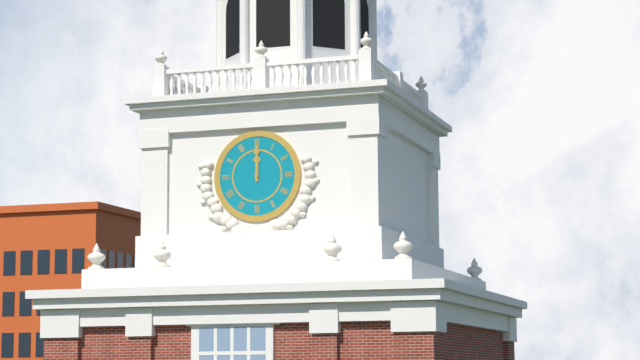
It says 12:00
